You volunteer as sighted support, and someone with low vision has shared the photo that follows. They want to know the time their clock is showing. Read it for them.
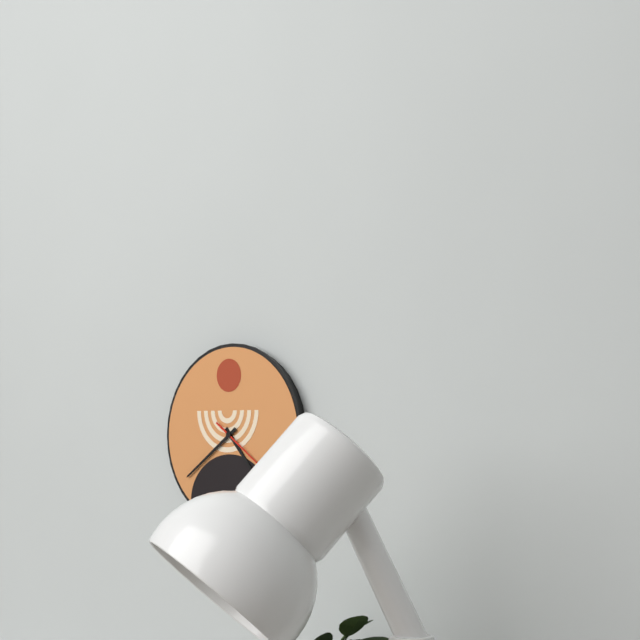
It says 4:39
